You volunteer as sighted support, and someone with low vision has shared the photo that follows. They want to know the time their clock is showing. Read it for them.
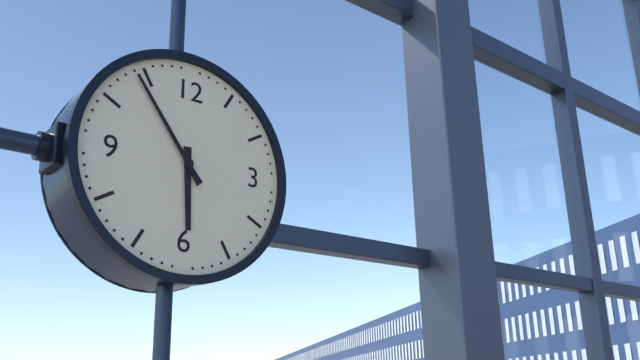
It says 5:54
